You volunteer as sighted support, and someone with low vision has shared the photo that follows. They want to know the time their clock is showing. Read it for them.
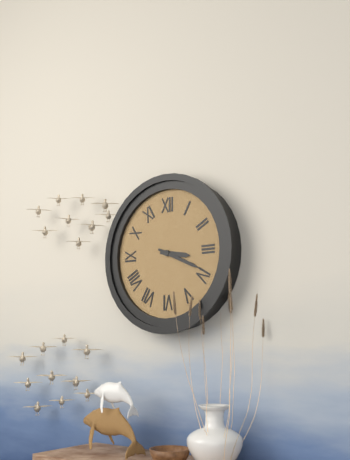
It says 3:19
